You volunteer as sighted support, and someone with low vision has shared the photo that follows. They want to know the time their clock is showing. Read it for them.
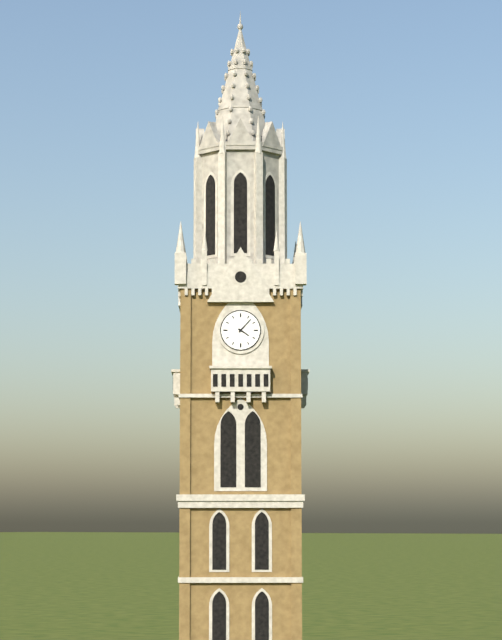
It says 4:07
